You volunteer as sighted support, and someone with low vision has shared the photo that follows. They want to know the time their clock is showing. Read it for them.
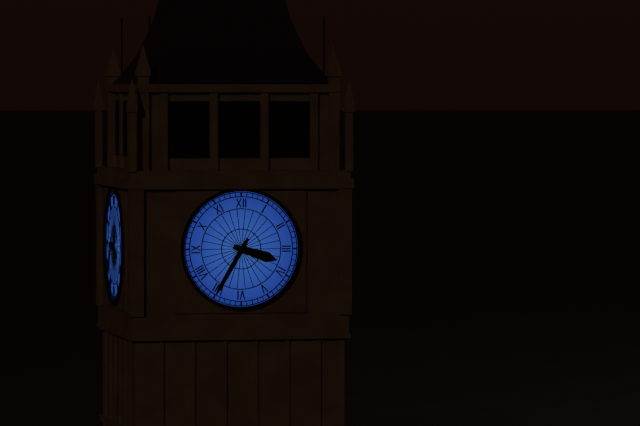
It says 3:35
